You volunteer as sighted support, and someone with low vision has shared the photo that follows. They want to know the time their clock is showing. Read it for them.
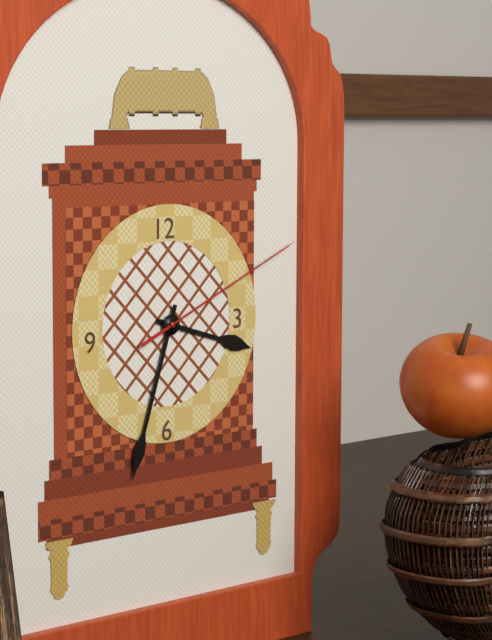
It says 3:33:11
